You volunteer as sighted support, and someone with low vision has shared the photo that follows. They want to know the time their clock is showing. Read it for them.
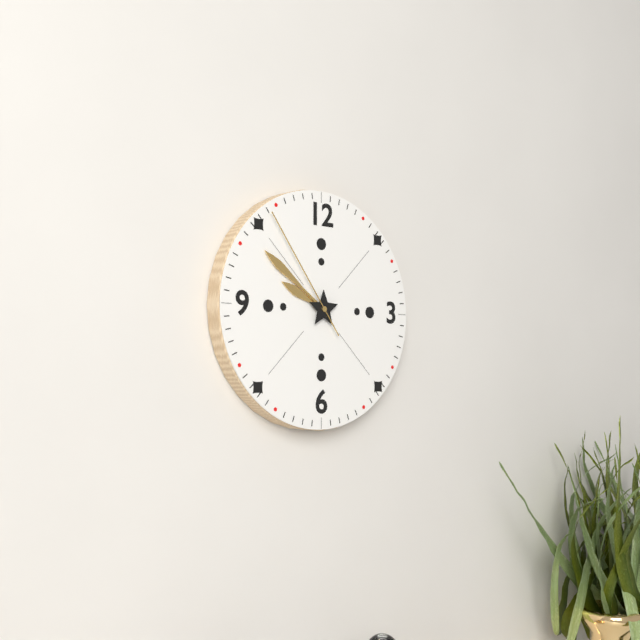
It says 9:51:54
